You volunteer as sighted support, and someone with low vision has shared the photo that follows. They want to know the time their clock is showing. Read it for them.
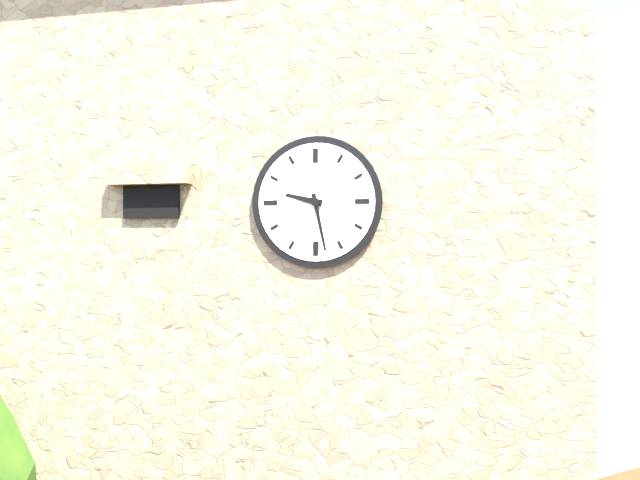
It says 9:28
